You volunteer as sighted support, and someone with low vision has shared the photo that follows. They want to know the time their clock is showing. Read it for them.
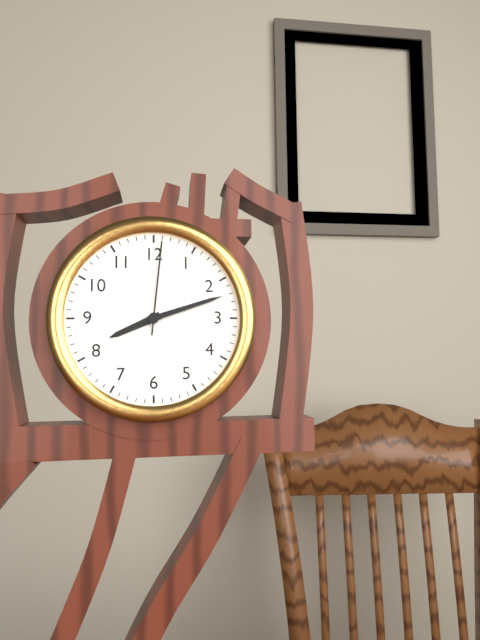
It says 8:12:01
